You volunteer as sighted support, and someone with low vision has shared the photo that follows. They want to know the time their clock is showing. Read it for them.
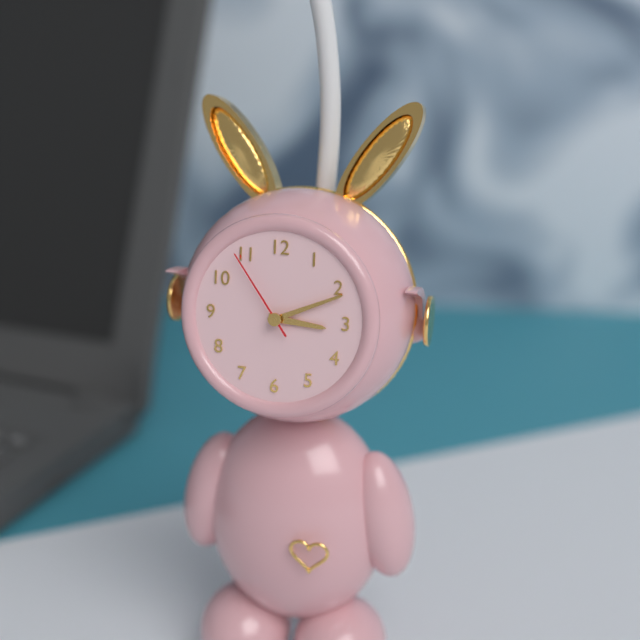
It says 3:11:54
